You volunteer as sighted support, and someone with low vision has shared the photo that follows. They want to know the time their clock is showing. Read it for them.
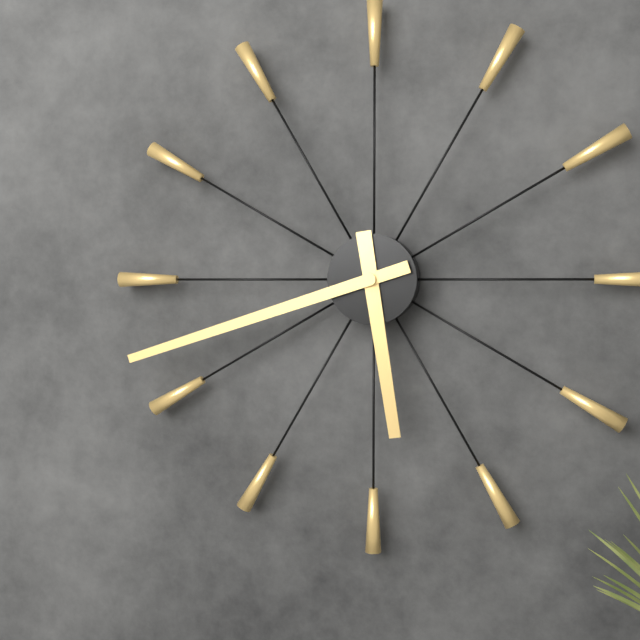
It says 5:42
